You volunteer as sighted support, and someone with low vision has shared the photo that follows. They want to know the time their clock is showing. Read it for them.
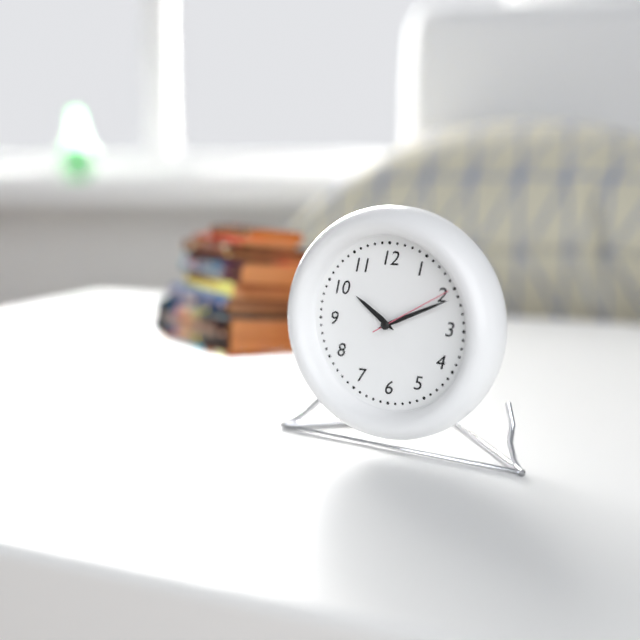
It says 10:11:10
